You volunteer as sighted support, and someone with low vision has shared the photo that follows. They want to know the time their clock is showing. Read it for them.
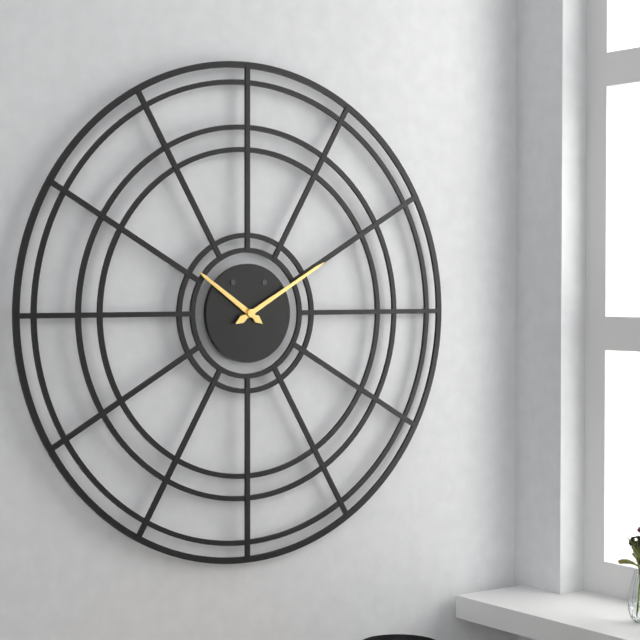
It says 10:10
